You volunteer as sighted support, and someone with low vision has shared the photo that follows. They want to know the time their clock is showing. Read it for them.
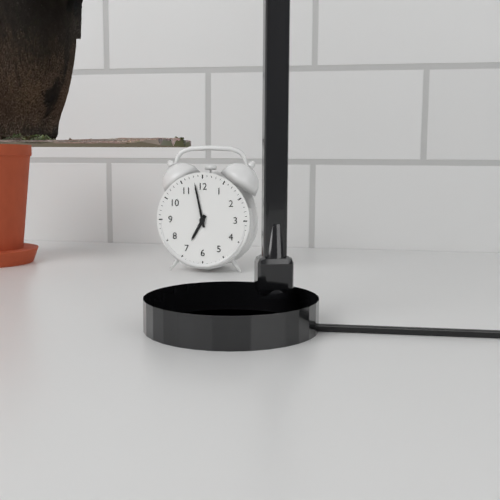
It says 6:58
